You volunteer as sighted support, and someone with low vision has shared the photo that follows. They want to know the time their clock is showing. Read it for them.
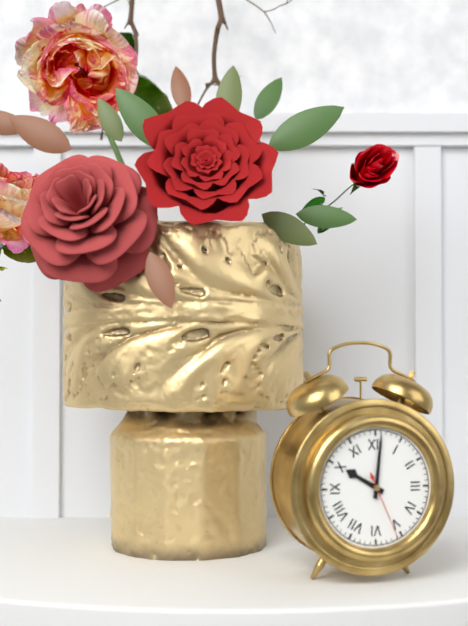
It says 10:01:26
